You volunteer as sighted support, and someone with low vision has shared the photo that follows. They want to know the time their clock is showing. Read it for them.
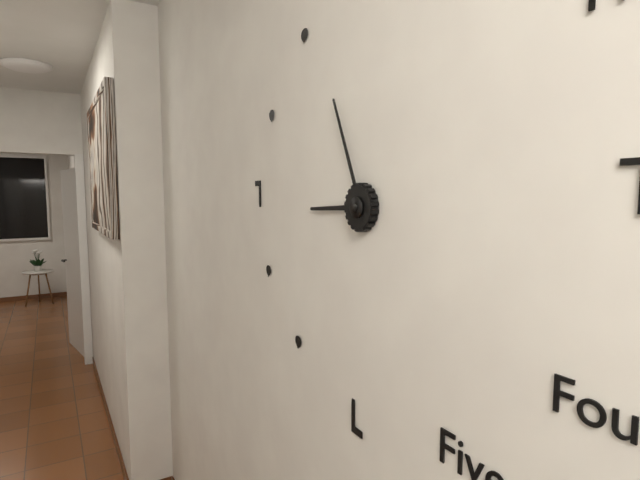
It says 8:56
